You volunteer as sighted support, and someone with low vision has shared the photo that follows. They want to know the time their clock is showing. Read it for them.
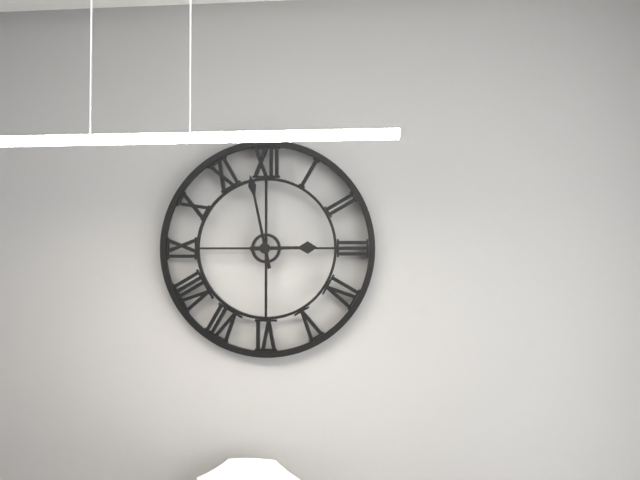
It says 2:58
